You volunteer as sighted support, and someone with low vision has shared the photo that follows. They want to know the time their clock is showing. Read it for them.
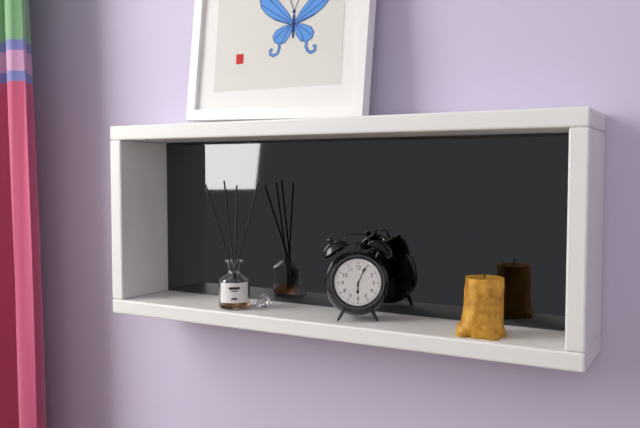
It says 6:04
